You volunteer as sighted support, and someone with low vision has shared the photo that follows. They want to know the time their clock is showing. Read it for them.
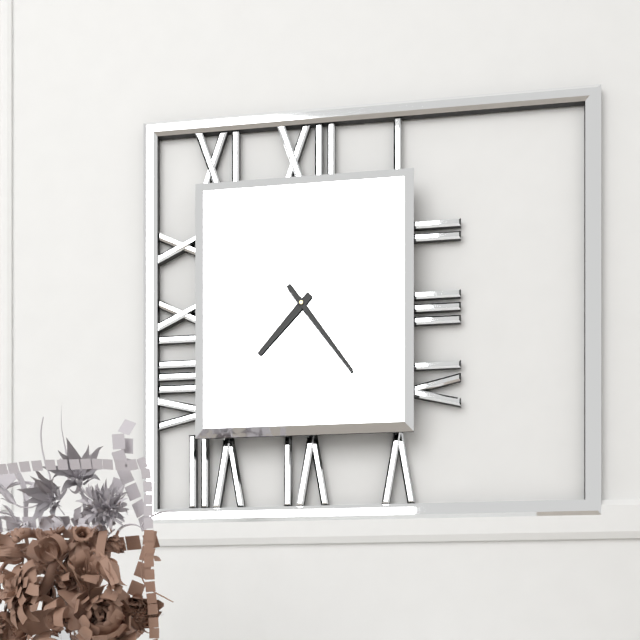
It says 7:24
